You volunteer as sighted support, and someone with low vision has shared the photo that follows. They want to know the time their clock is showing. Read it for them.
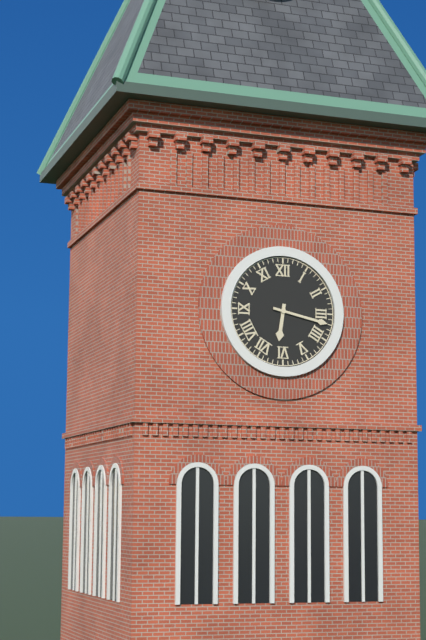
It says 6:17
